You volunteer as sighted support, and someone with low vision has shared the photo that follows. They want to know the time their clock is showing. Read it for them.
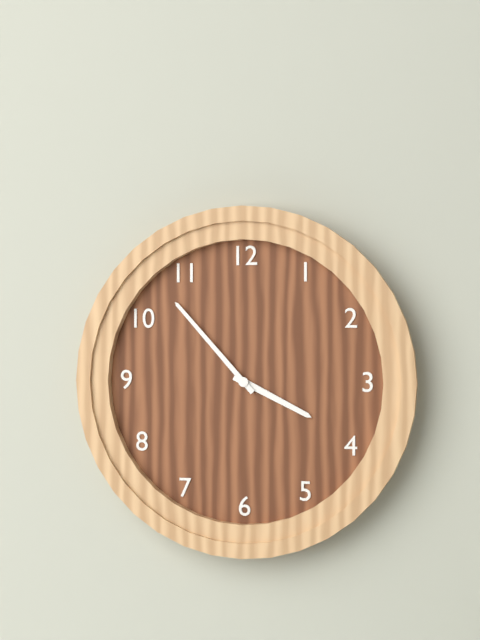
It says 3:53
